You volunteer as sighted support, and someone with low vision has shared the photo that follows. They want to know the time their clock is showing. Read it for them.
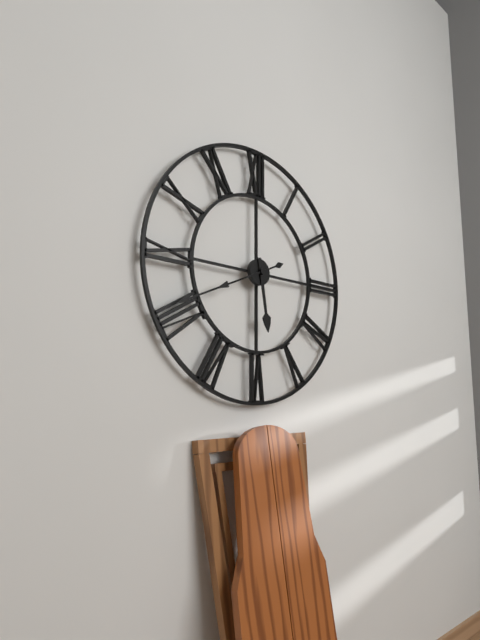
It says 5:41
